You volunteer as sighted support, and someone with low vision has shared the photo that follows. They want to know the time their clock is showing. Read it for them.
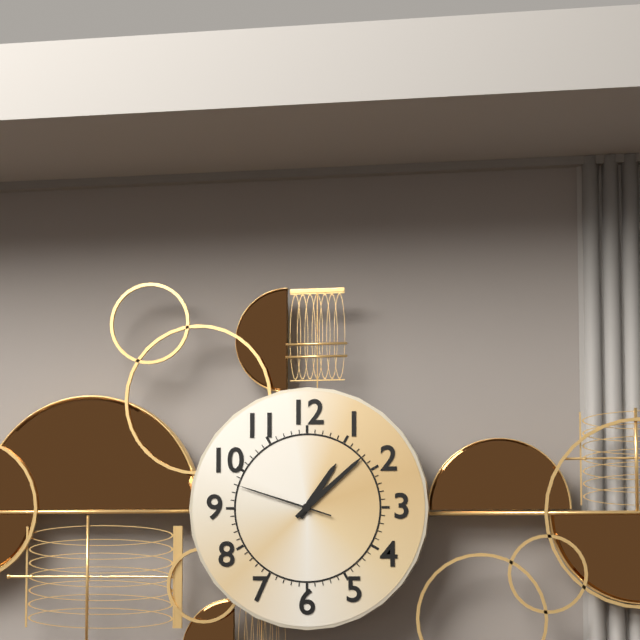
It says 1:08:48
